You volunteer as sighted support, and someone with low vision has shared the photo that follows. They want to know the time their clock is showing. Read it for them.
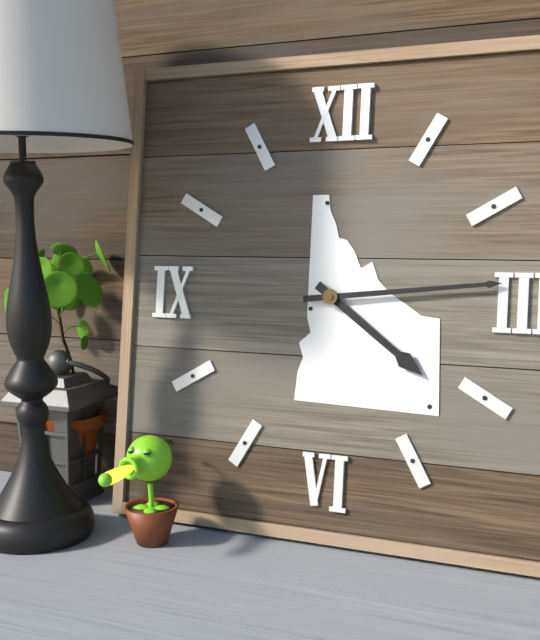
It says 4:14
